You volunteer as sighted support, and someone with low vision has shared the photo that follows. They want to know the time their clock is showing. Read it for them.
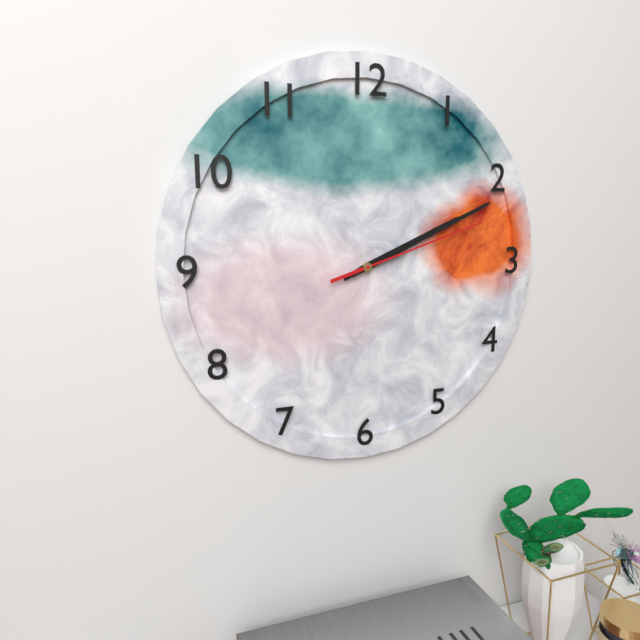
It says 2:11:12
